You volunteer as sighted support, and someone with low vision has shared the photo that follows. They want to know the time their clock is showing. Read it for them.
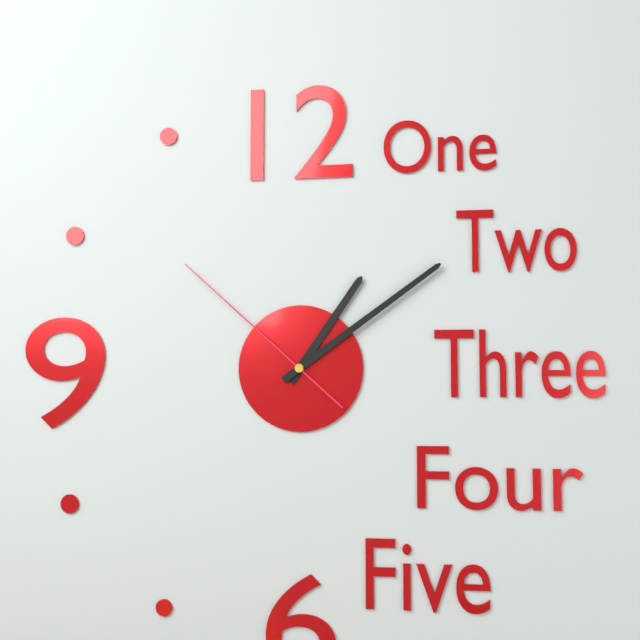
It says 1:09:52
